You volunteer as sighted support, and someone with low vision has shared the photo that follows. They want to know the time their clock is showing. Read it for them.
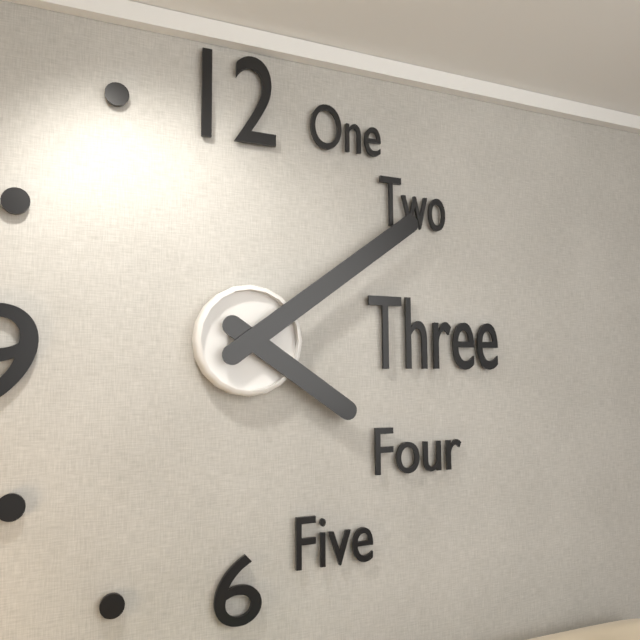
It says 4:09
